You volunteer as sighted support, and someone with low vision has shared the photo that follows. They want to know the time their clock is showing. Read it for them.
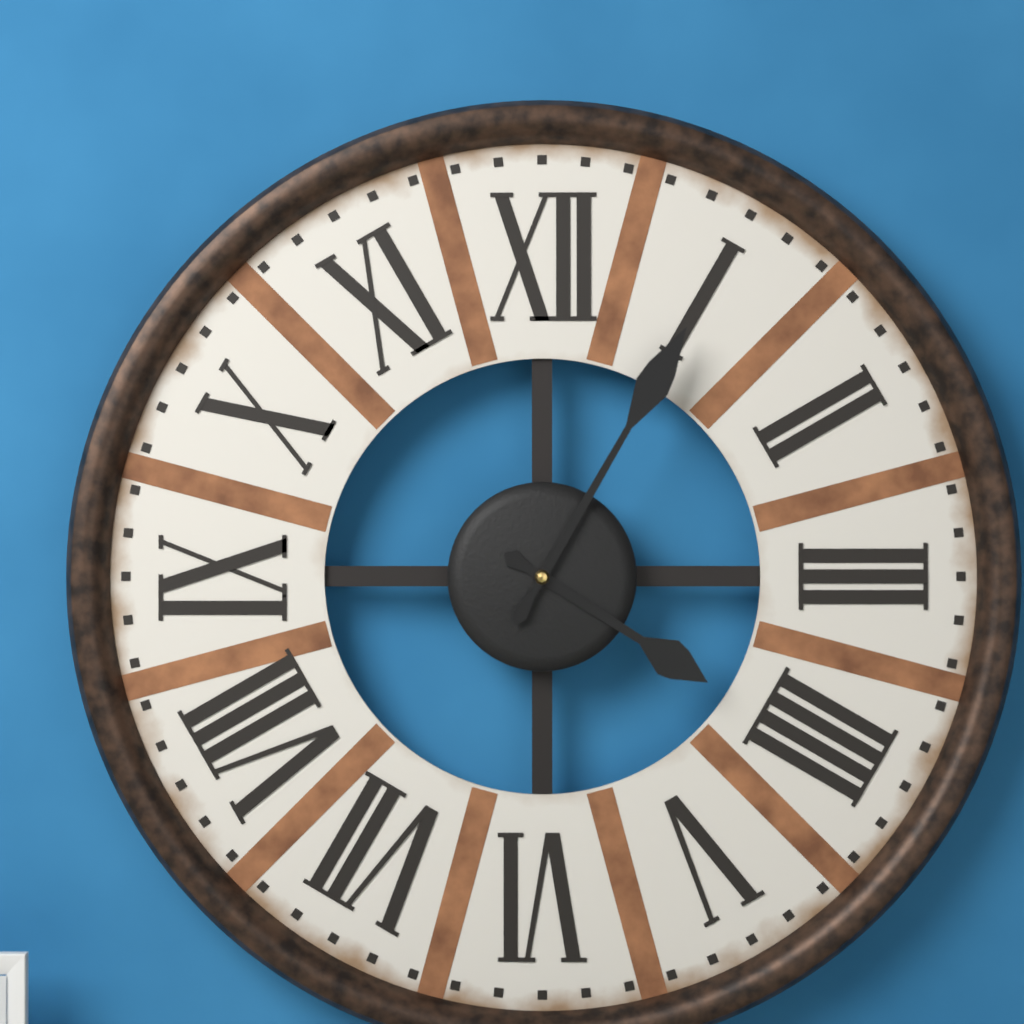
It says 4:05
